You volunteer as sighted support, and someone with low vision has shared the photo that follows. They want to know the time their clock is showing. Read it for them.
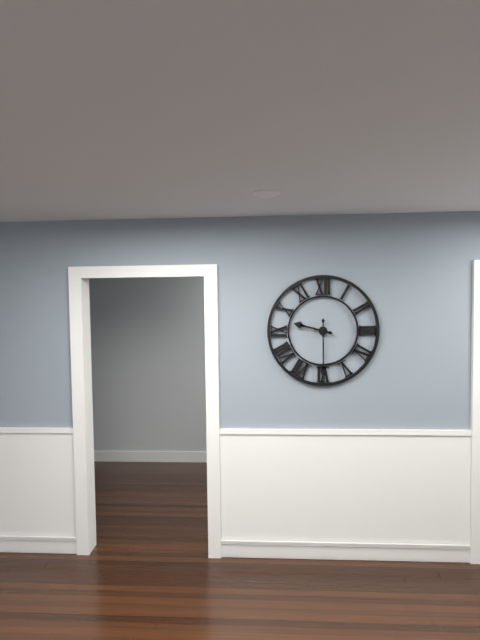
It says 9:30
